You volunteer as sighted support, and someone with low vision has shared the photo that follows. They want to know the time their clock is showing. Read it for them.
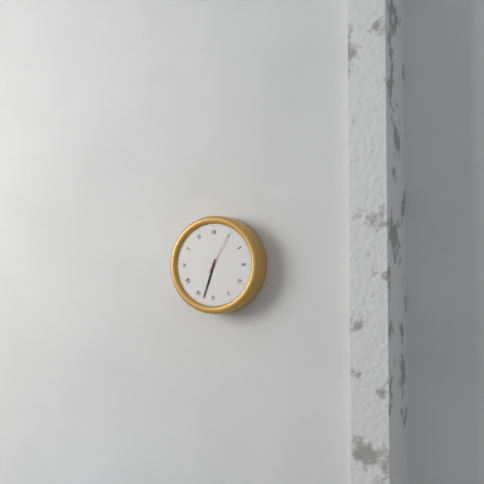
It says 6:33
